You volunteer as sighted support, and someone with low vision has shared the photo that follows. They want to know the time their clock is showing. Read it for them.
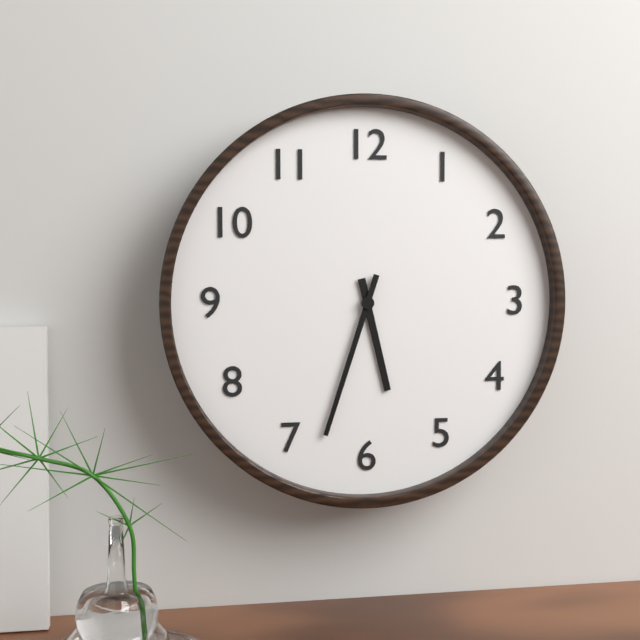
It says 5:33
